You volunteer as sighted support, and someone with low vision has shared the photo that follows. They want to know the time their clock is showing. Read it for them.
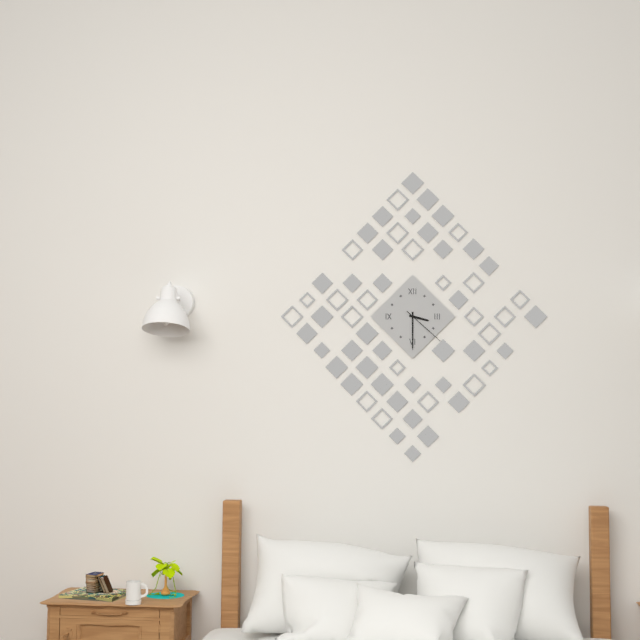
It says 3:30
